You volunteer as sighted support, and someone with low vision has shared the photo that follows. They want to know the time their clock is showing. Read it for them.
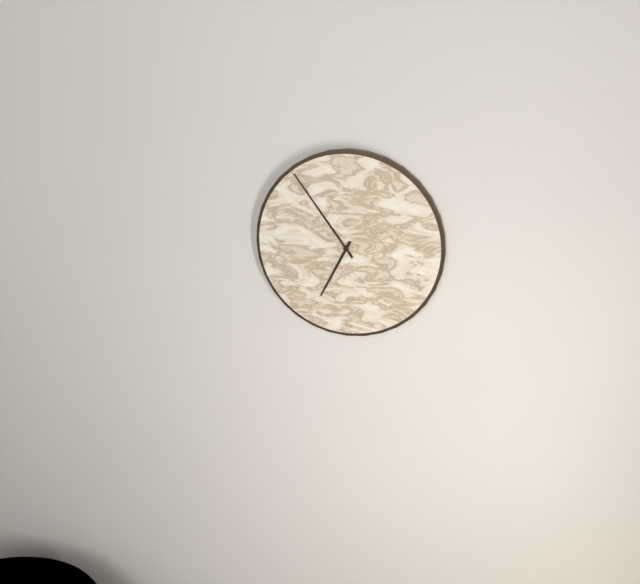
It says 6:54
